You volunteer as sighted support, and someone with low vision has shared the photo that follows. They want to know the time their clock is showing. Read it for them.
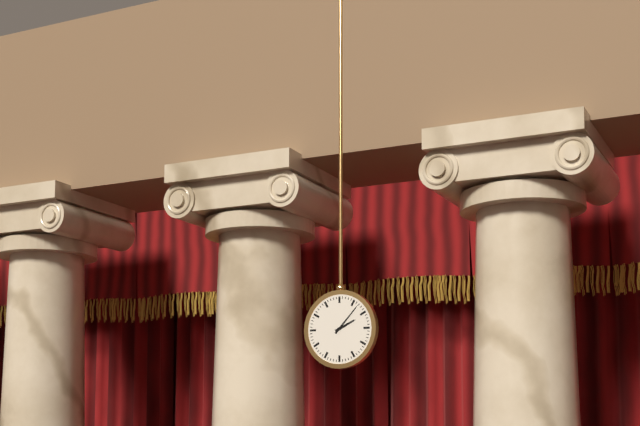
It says 2:07
